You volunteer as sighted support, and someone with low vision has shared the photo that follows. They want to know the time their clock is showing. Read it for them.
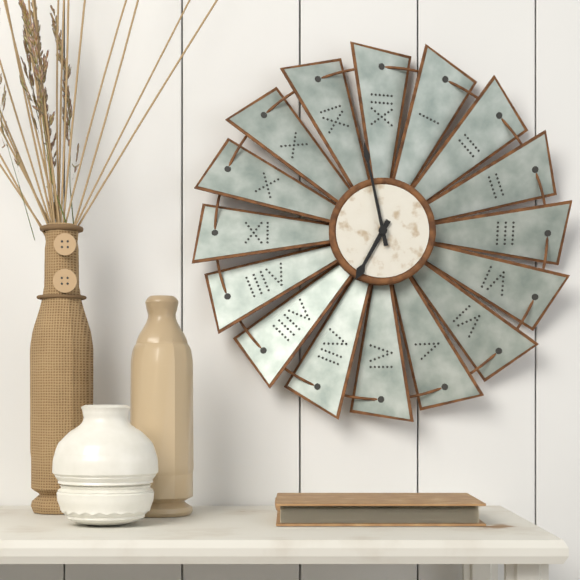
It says 6:58
